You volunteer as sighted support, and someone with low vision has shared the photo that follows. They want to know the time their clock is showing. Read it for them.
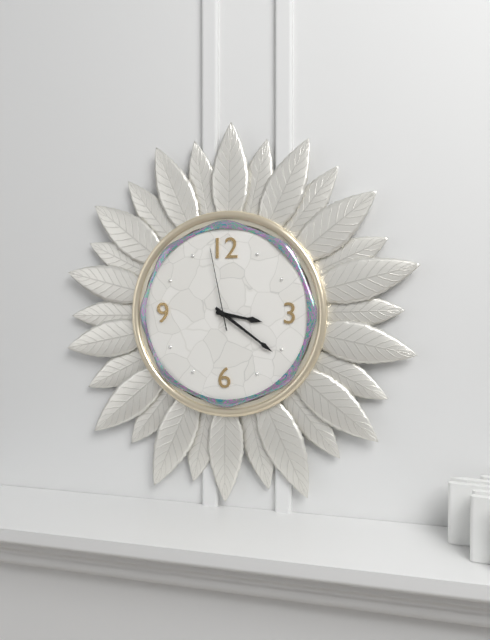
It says 3:21:58
